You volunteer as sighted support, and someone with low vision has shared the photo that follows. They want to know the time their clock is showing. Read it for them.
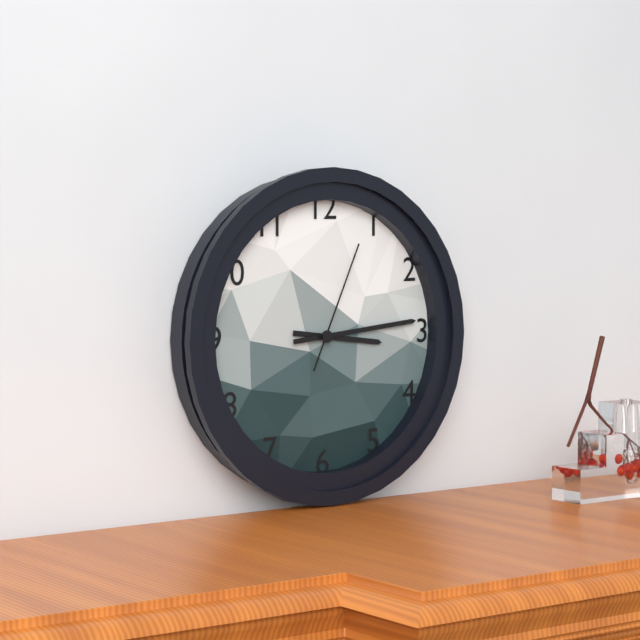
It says 3:14:04
